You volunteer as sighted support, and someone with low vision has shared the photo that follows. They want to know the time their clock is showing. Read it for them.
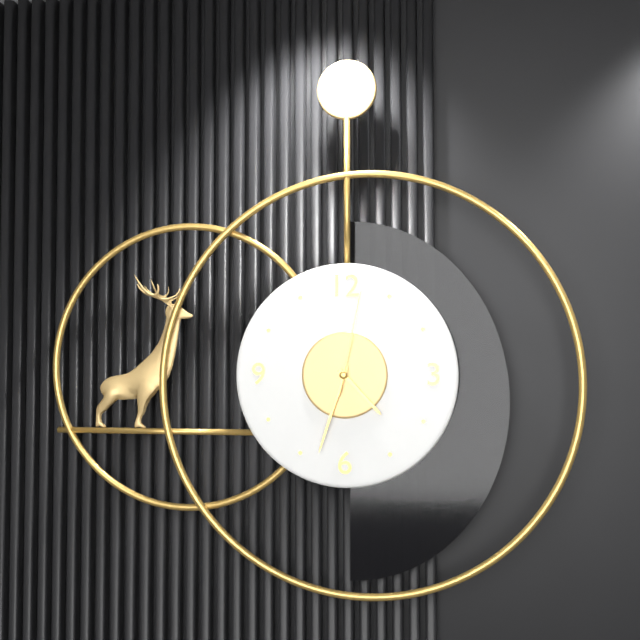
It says 4:33:02
